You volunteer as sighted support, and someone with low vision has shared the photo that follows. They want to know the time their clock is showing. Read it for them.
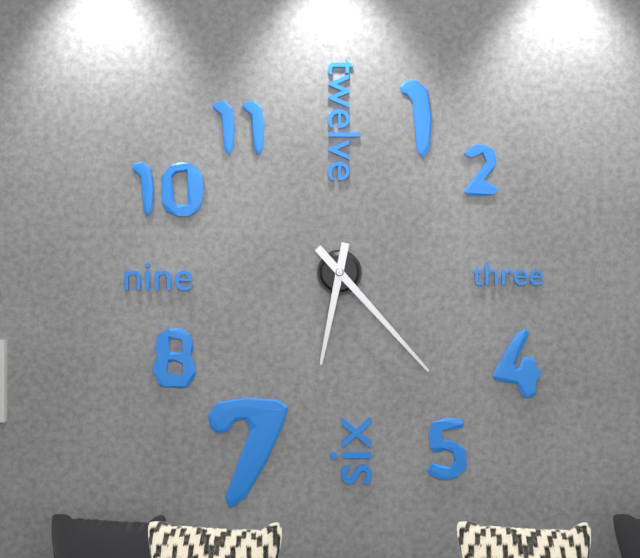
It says 6:23
